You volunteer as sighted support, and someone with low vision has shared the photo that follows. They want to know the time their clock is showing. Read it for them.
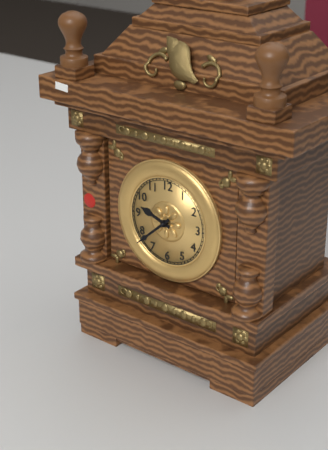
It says 9:38
